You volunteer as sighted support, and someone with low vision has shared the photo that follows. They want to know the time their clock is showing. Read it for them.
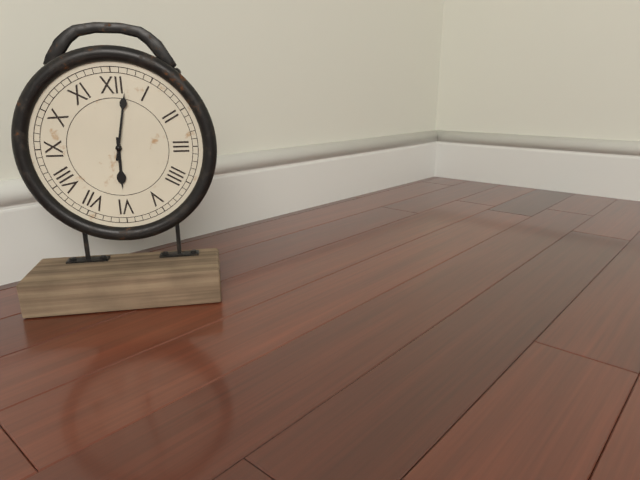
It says 6:02
